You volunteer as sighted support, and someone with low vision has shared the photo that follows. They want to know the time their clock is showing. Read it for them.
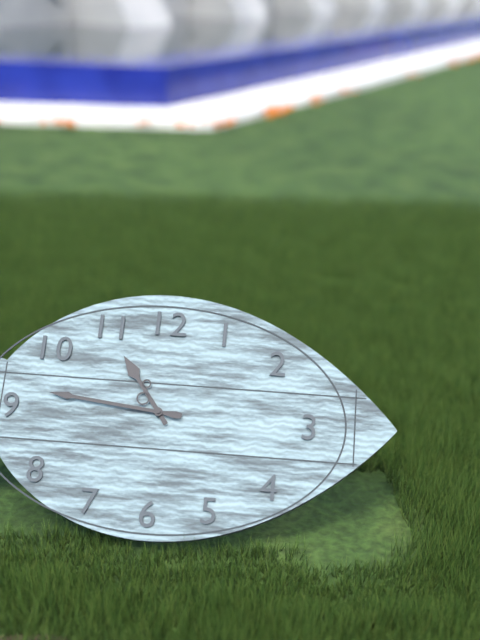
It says 10:46
